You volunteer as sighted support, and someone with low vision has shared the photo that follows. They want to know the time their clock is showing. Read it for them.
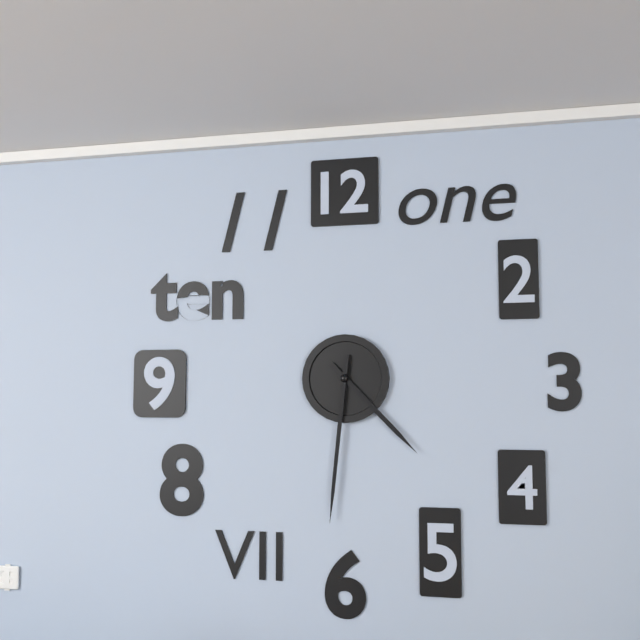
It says 4:31
